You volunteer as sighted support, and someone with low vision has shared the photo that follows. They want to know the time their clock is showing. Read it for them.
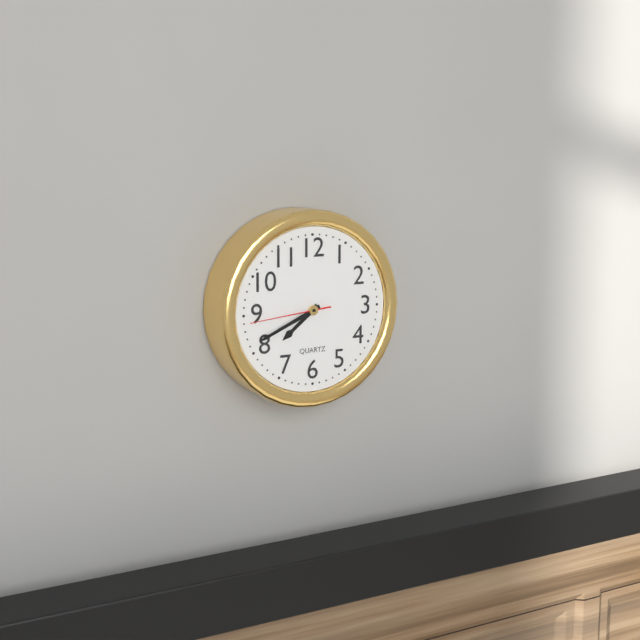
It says 7:41:44
